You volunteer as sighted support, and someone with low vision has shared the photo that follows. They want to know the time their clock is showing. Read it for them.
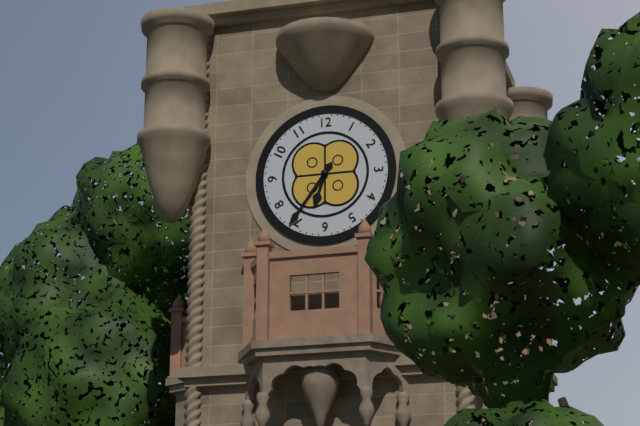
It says 6:36
